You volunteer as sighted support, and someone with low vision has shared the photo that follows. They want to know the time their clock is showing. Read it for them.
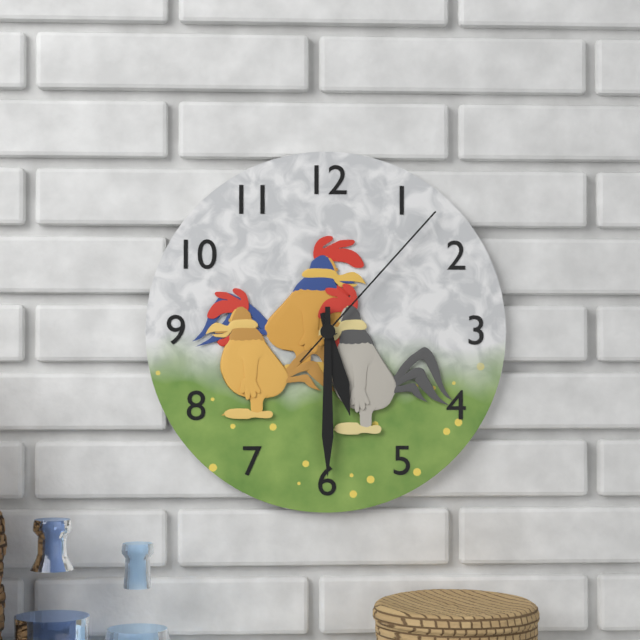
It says 5:30:07
